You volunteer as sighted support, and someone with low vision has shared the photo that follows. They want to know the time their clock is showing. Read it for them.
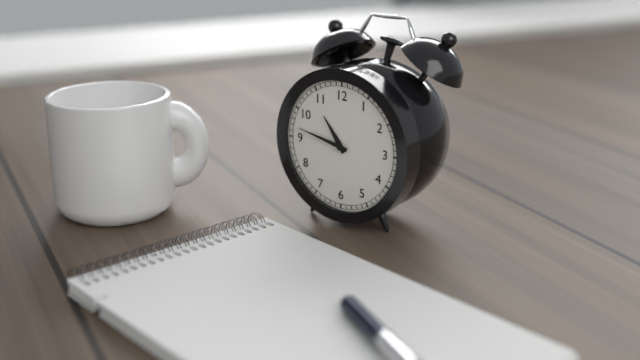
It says 10:47
